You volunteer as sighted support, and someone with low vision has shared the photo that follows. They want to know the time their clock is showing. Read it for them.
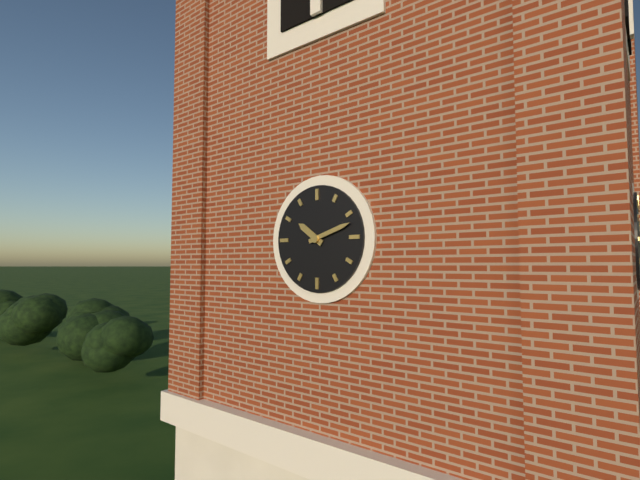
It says 10:12
